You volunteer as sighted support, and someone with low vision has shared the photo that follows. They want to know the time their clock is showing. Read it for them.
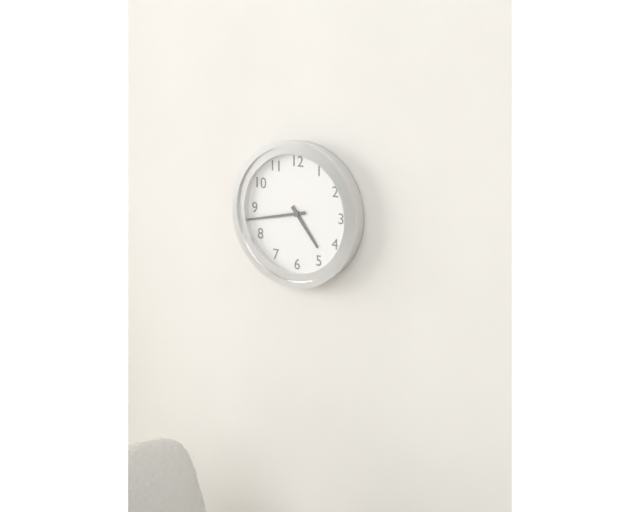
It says 4:43
